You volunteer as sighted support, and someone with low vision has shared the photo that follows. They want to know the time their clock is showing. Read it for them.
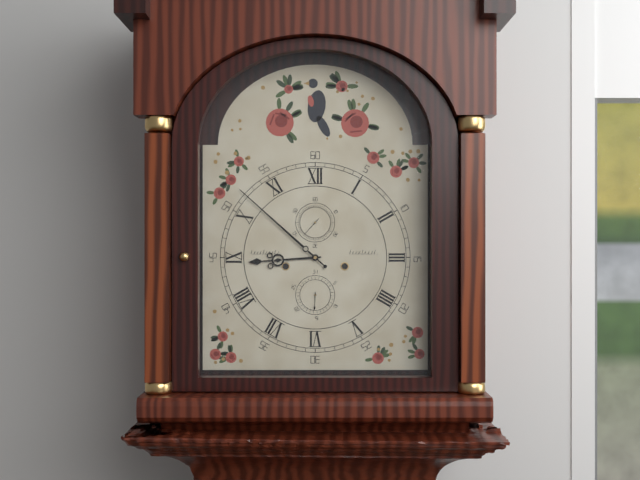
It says 8:52
